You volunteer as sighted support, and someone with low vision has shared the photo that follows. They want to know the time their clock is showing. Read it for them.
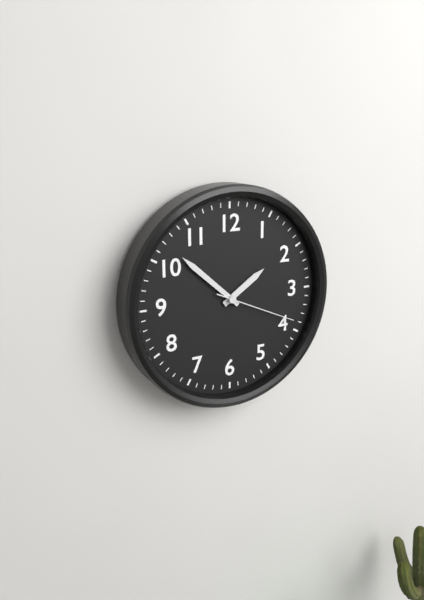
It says 1:52:19
